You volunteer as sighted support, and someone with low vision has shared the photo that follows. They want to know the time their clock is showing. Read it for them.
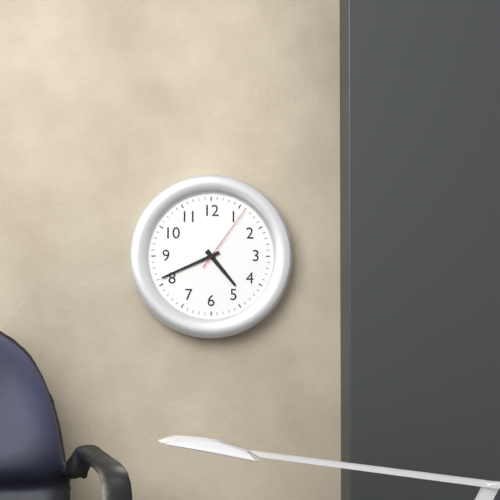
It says 4:41:06
